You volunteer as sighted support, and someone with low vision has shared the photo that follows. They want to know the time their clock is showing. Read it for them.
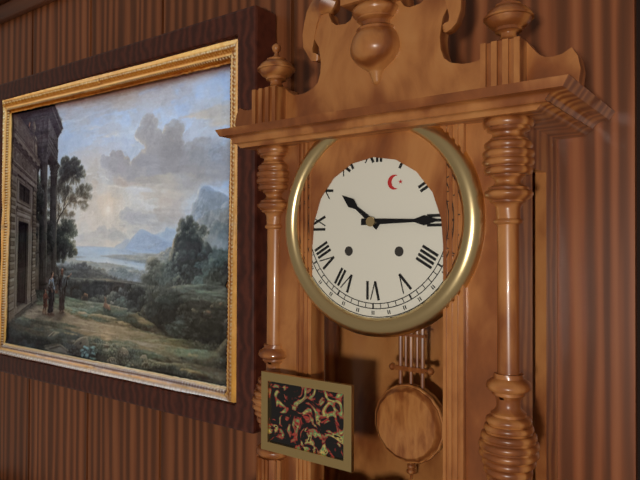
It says 10:15
